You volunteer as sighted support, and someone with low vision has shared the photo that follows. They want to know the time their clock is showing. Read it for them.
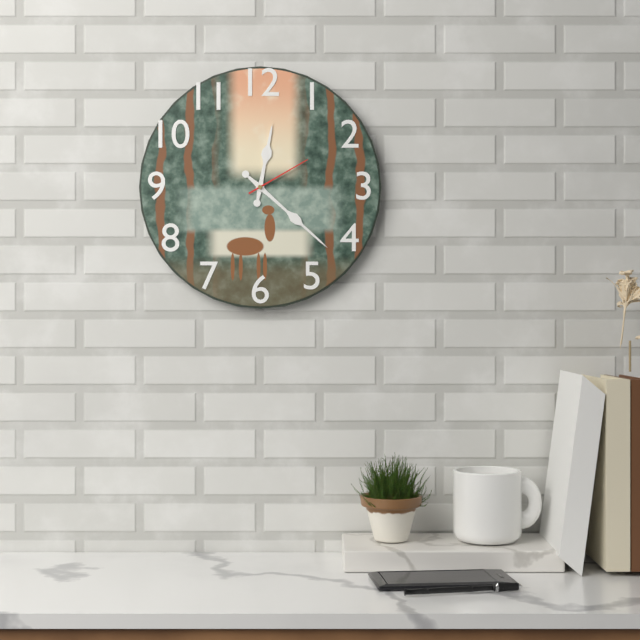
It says 12:22:10
